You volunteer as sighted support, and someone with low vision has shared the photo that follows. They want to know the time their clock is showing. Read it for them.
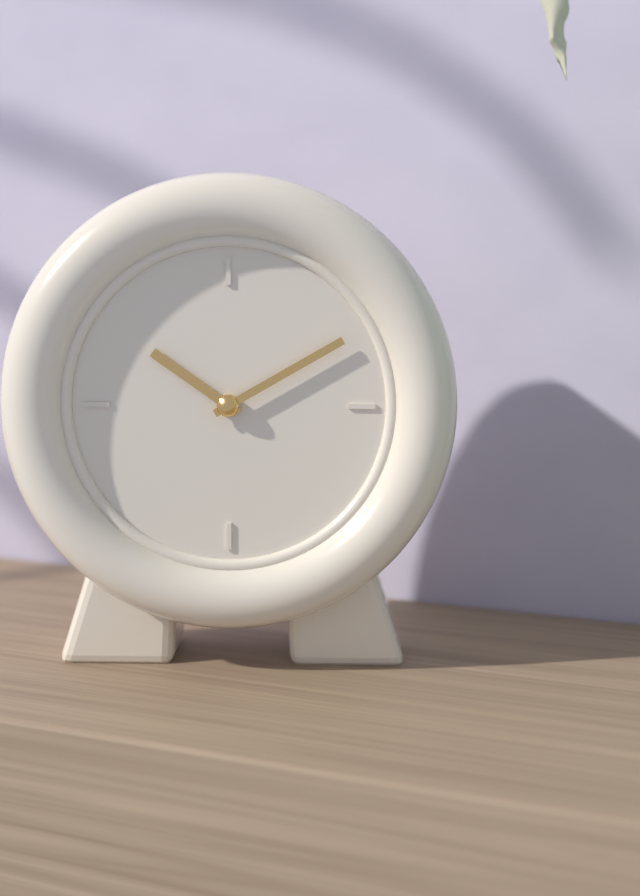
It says 10:10
